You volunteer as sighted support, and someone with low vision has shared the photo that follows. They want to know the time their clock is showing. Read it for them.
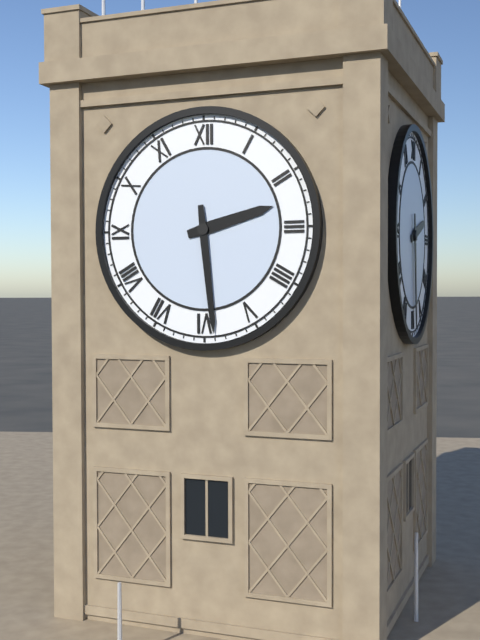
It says 2:29
